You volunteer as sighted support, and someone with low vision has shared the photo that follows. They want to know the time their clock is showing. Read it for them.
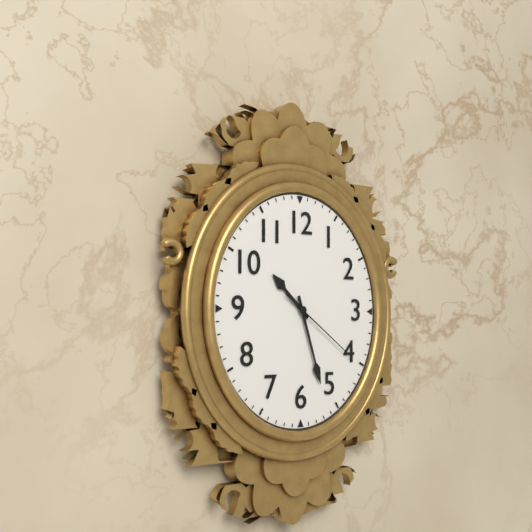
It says 10:27:21
